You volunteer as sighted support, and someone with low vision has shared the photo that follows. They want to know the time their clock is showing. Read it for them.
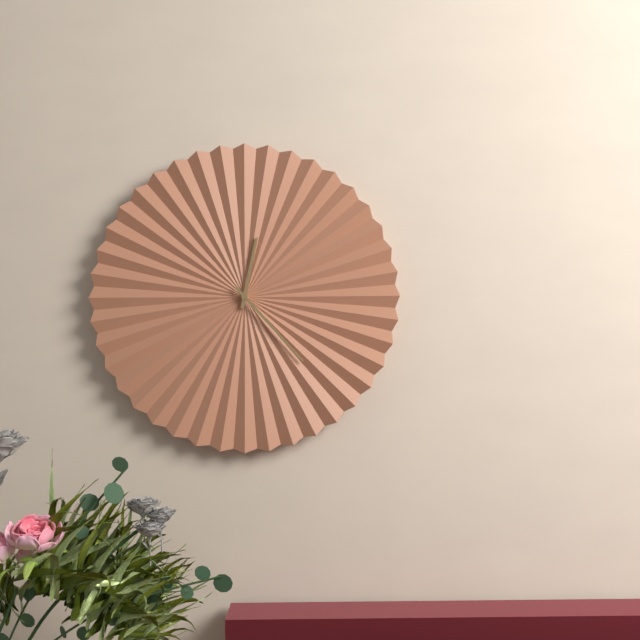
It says 12:23
